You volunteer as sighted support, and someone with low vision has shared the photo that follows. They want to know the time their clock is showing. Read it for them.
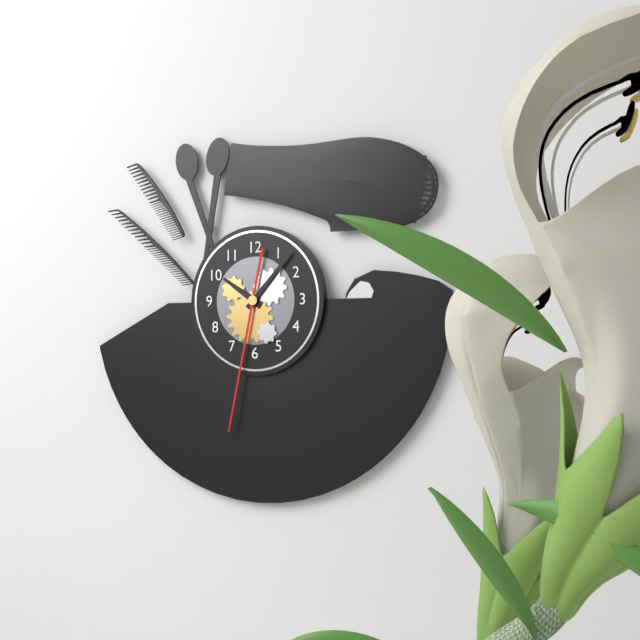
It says 10:07:32
